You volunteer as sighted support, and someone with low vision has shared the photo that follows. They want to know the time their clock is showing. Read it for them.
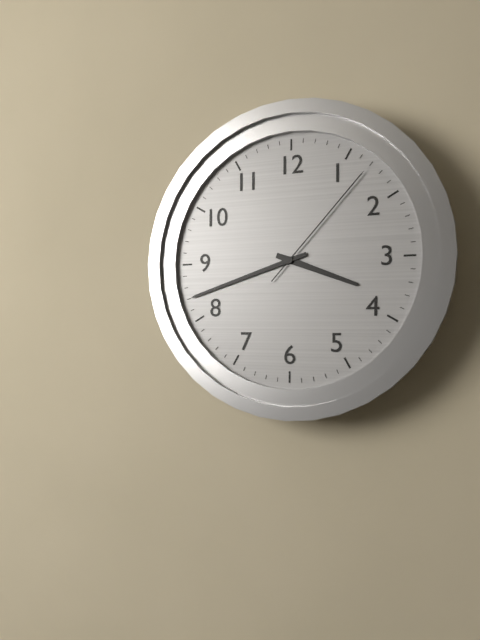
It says 3:42:07
